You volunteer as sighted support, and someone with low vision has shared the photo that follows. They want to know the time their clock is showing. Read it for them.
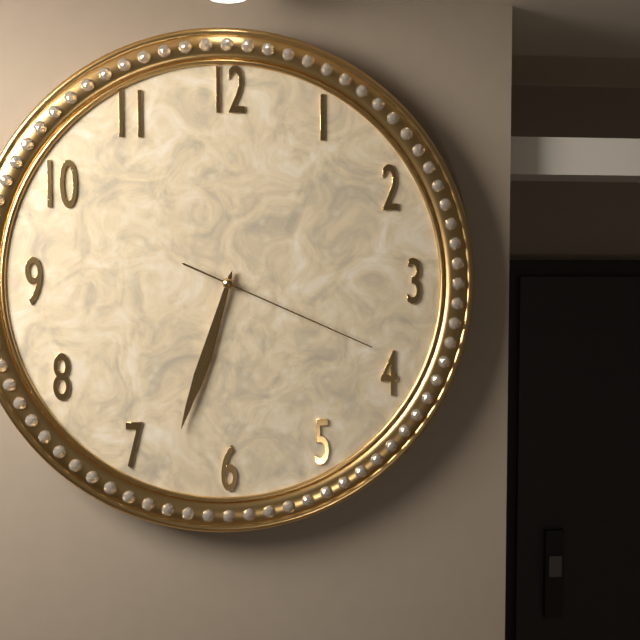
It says 6:33:19
